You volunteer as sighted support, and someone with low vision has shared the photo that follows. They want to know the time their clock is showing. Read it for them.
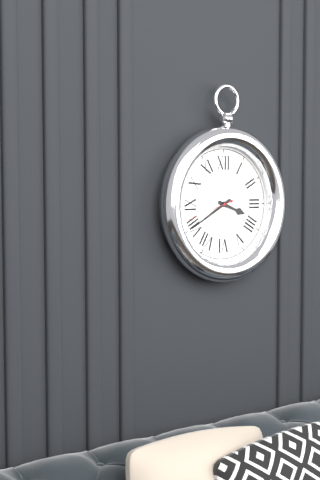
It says 3:40:42
